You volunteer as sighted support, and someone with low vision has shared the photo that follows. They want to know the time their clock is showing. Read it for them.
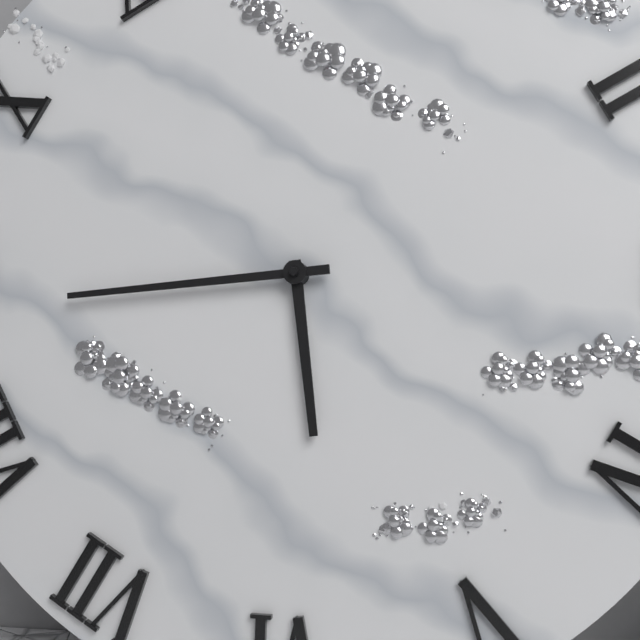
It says 5:44
